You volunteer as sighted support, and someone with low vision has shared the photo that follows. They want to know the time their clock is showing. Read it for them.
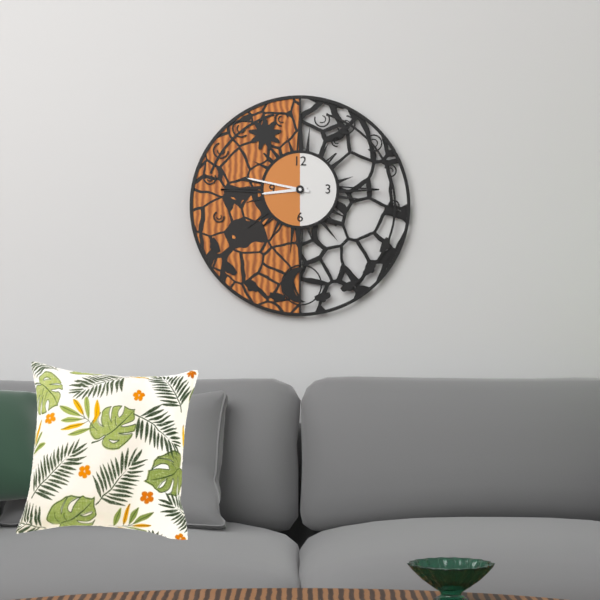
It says 8:47
